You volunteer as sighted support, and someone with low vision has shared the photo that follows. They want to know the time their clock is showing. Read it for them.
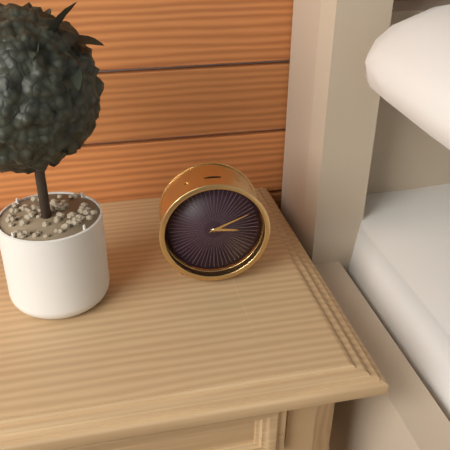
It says 3:11
